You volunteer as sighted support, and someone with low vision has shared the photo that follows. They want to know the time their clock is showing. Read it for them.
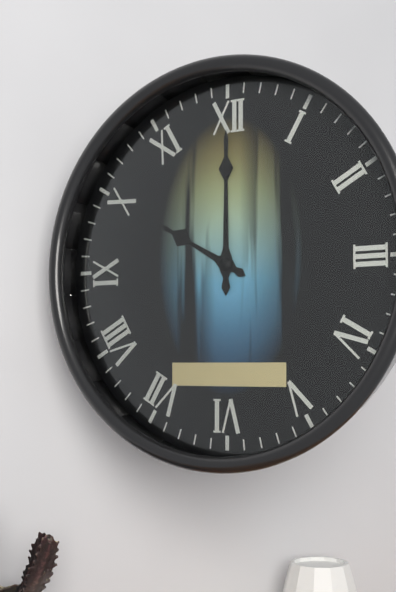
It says 10:00
